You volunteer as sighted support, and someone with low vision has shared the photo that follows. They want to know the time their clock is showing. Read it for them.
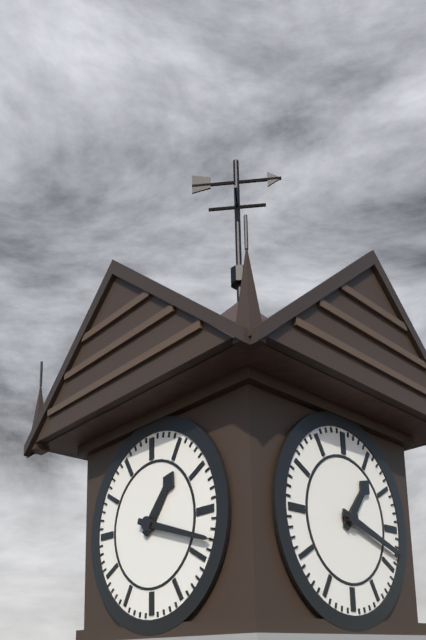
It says 1:18
